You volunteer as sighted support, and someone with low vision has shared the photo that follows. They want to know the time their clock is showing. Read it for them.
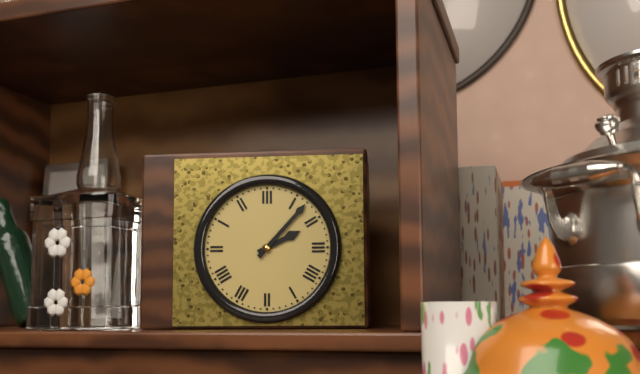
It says 2:07
